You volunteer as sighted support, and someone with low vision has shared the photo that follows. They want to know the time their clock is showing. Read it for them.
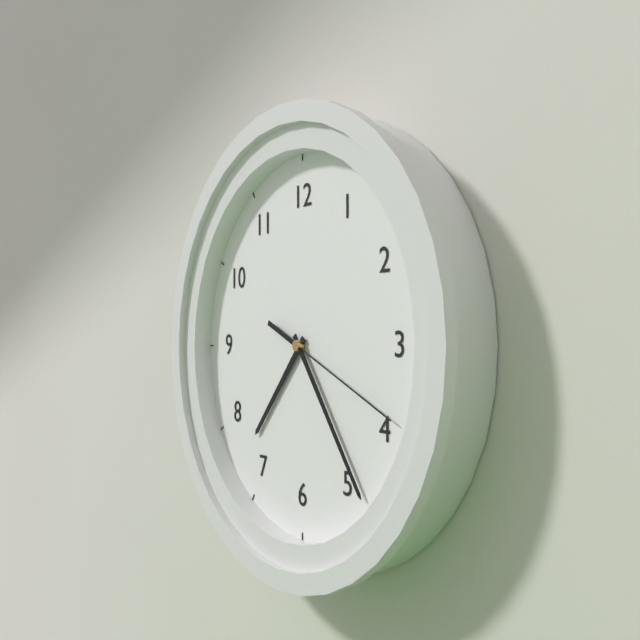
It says 7:24:19
